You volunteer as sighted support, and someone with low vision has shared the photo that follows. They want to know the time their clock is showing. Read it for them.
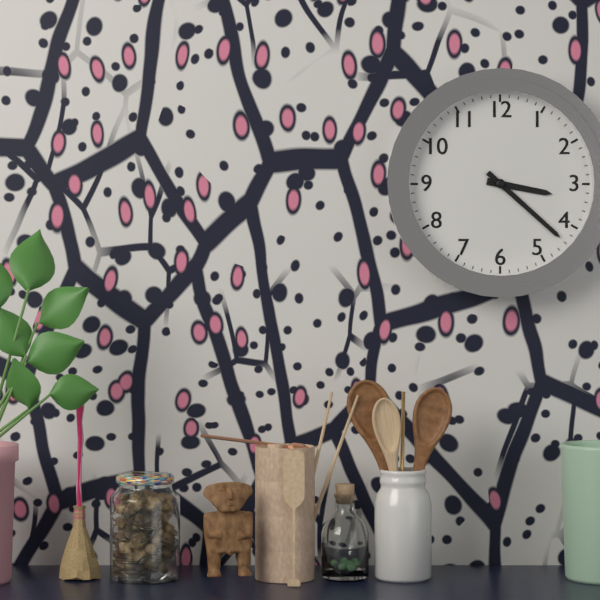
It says 3:22
